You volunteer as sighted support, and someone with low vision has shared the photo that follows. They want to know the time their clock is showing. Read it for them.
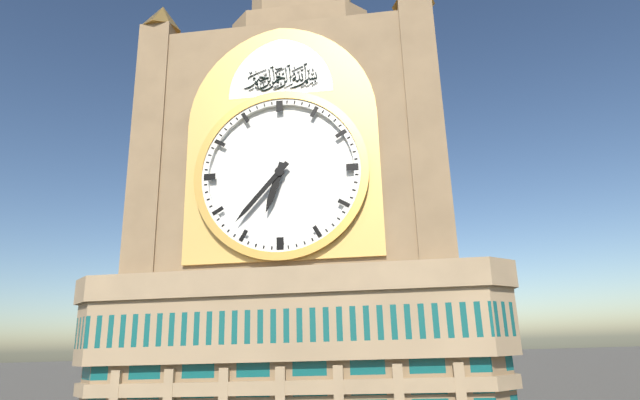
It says 6:37
